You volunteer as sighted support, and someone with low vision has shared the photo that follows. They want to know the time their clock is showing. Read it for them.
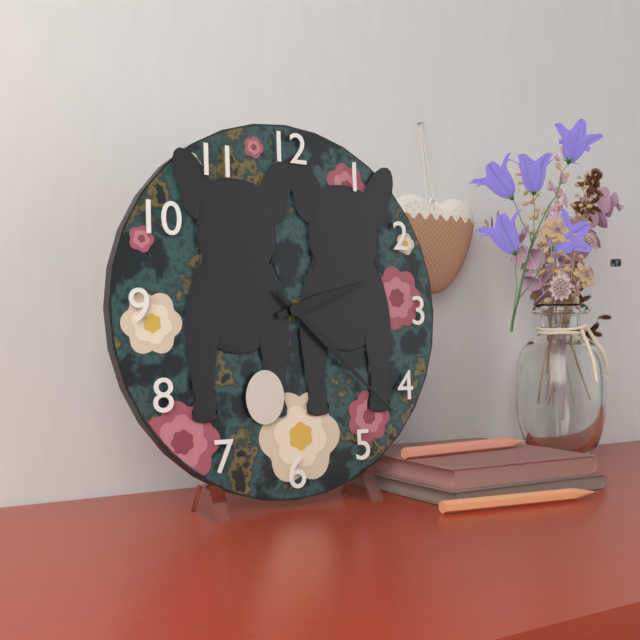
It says 2:22
